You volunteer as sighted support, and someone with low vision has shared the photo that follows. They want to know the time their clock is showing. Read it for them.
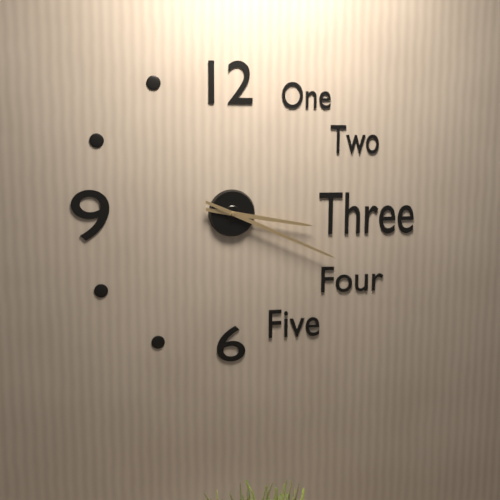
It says 3:19
